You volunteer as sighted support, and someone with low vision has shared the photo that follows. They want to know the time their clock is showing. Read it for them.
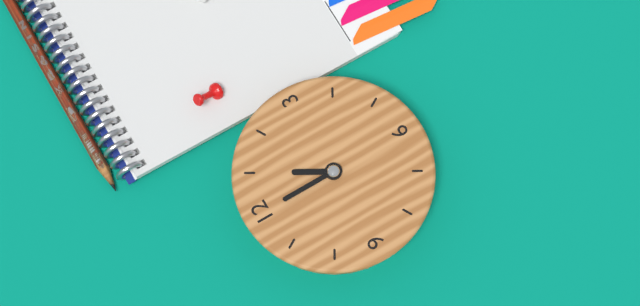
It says 1:00
